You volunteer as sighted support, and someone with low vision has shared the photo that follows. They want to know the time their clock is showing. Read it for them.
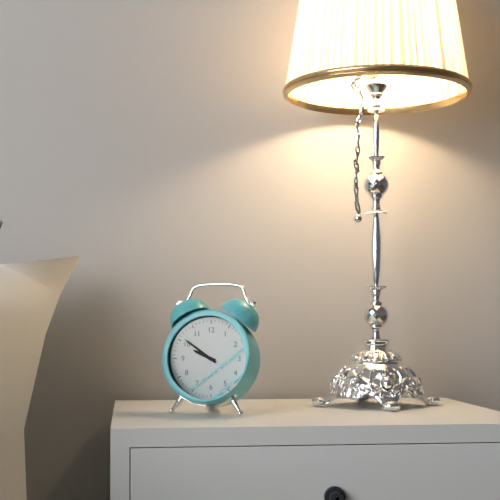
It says 9:51
